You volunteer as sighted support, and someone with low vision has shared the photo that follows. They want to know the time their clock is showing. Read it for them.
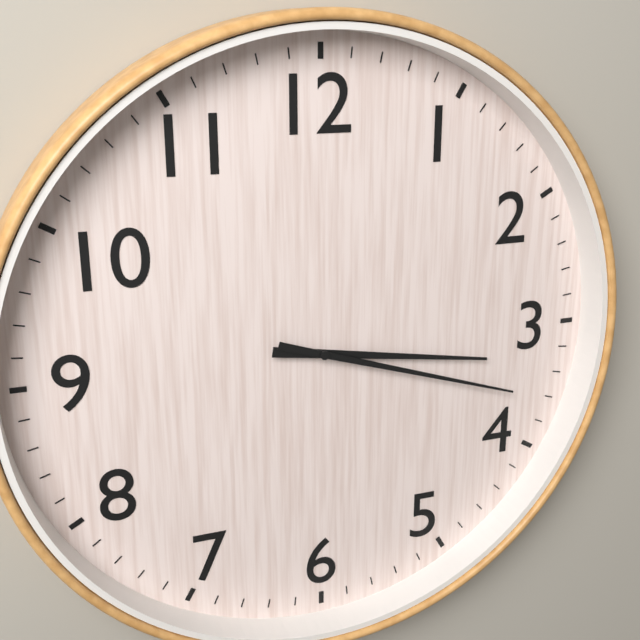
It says 3:18
